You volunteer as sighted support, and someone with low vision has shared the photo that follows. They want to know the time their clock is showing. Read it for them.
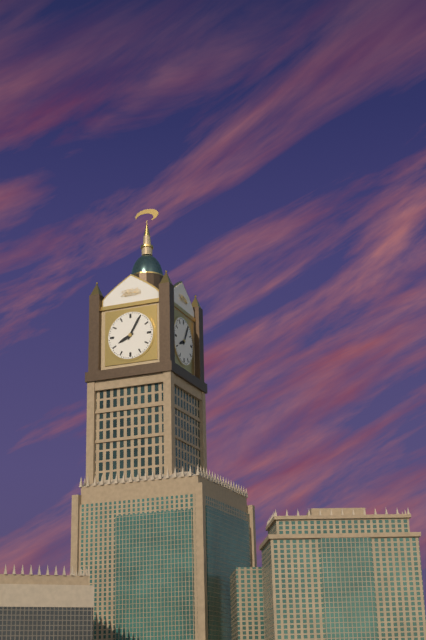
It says 8:05
